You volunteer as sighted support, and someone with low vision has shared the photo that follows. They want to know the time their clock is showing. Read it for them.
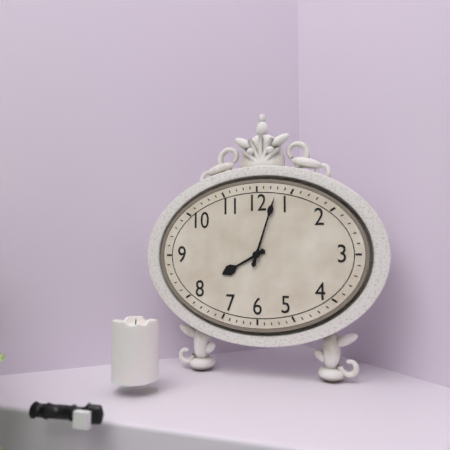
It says 8:03
